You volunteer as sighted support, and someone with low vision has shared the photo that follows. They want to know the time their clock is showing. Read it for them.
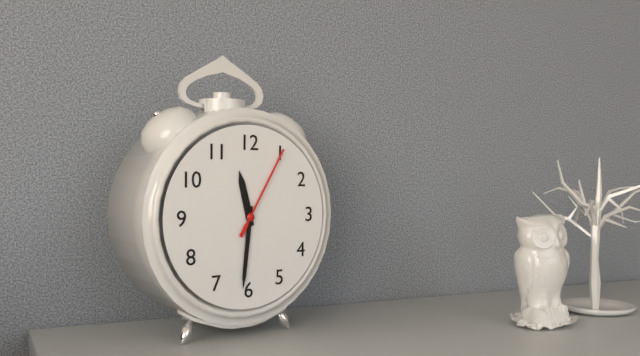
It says 11:31:05
